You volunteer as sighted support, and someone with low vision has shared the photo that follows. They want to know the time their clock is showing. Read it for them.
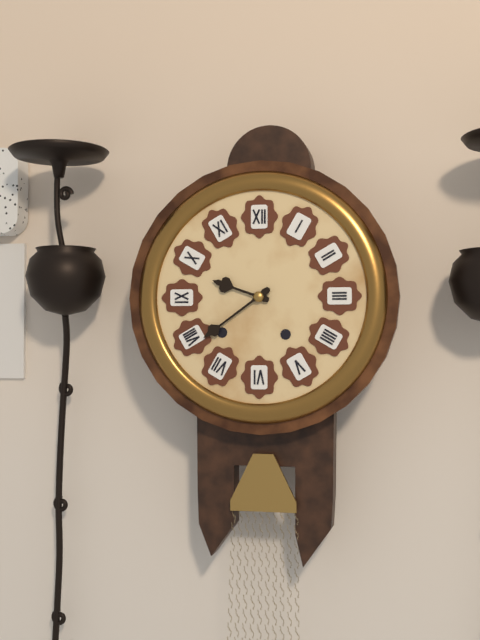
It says 9:39
